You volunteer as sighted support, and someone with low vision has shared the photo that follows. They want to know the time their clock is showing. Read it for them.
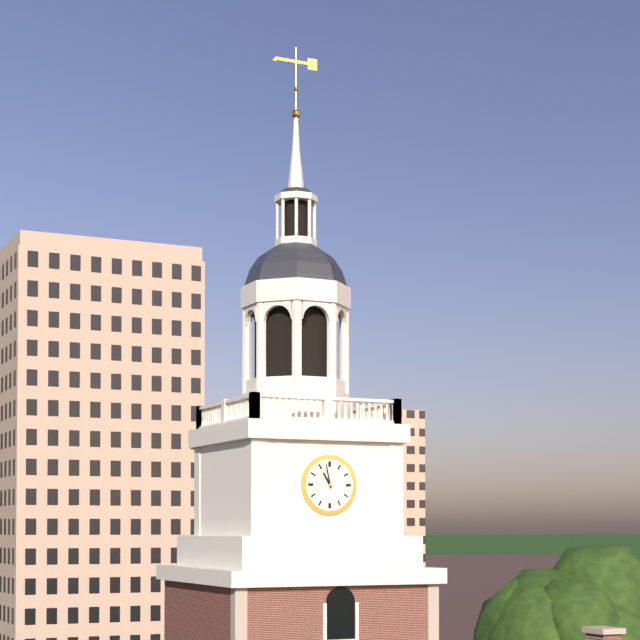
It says 10:58
